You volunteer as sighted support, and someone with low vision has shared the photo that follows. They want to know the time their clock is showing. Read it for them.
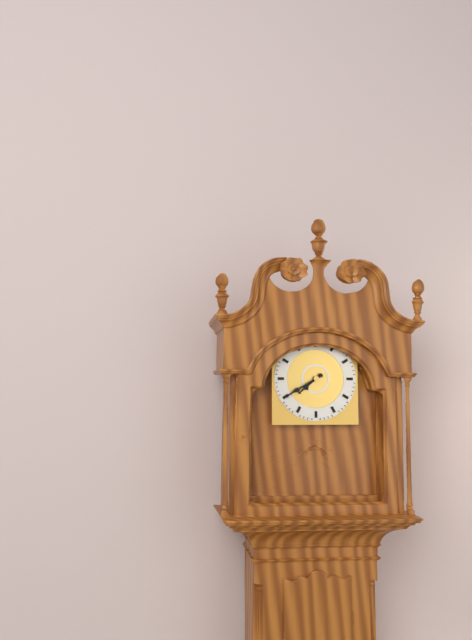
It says 7:40
